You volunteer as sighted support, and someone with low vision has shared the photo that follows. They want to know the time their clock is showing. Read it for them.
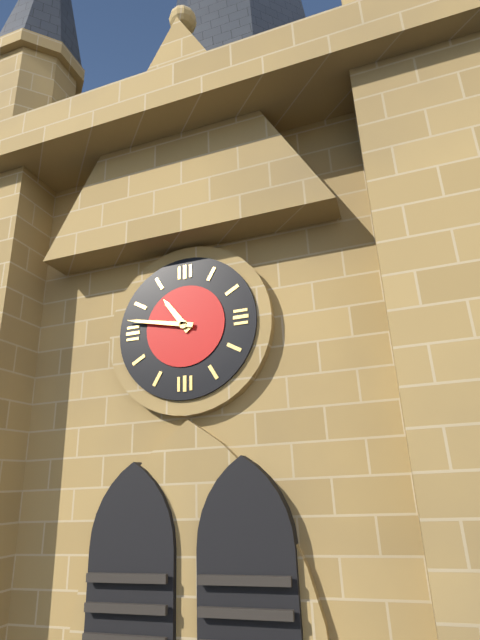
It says 10:47
